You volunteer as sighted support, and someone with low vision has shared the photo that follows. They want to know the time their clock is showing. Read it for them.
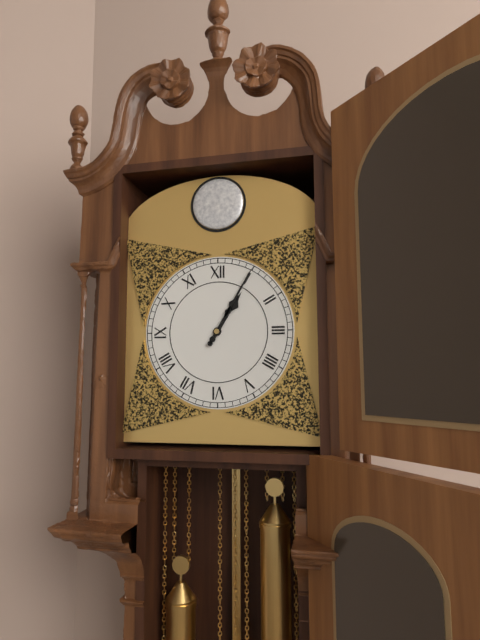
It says 1:05
